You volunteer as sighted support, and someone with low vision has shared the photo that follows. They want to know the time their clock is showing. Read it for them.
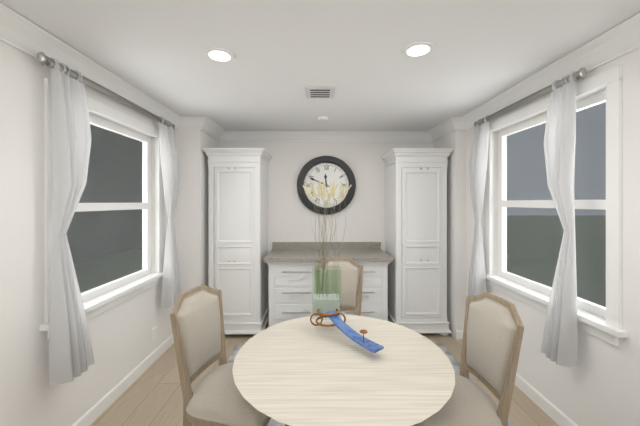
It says 11:49
